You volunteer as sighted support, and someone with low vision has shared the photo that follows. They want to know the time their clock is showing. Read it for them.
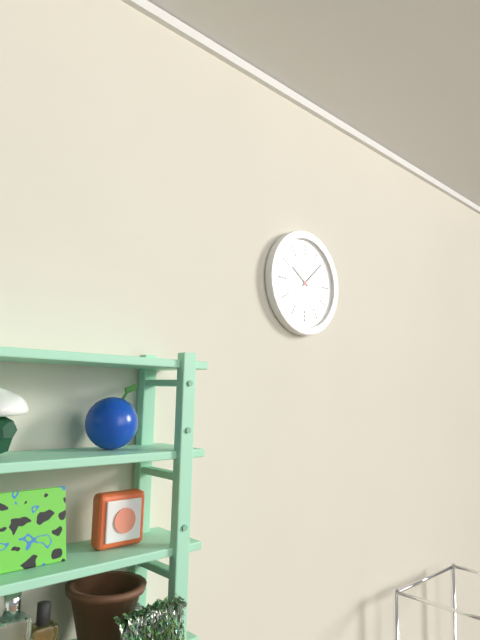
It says 10:08
